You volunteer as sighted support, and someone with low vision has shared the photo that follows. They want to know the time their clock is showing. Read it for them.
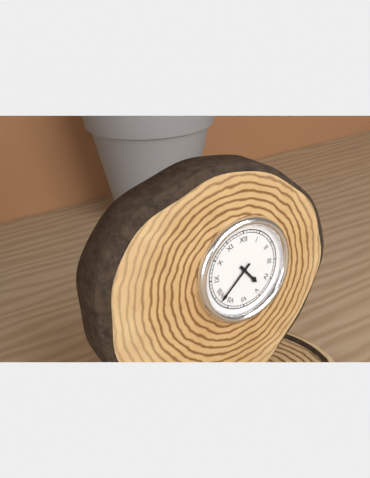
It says 4:38
